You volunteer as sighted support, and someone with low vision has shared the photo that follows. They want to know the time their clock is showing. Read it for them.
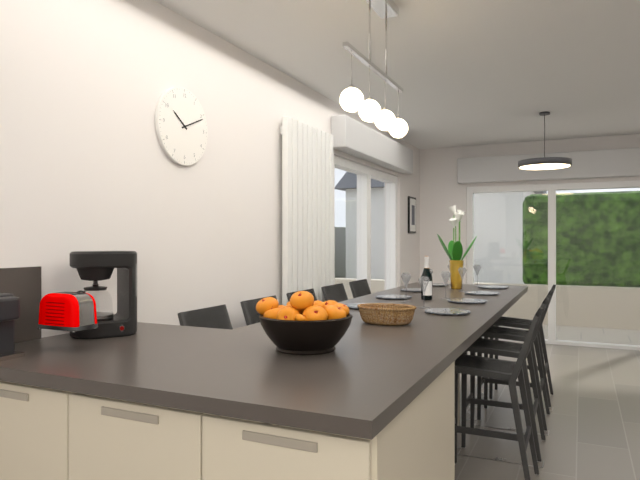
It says 10:11
